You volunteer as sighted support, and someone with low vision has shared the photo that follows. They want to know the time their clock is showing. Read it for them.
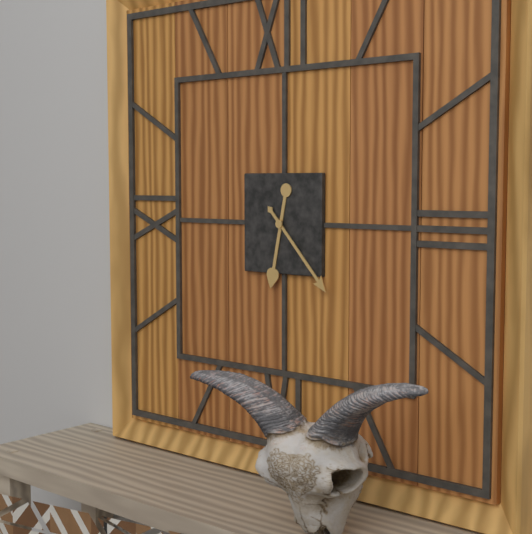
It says 6:23
